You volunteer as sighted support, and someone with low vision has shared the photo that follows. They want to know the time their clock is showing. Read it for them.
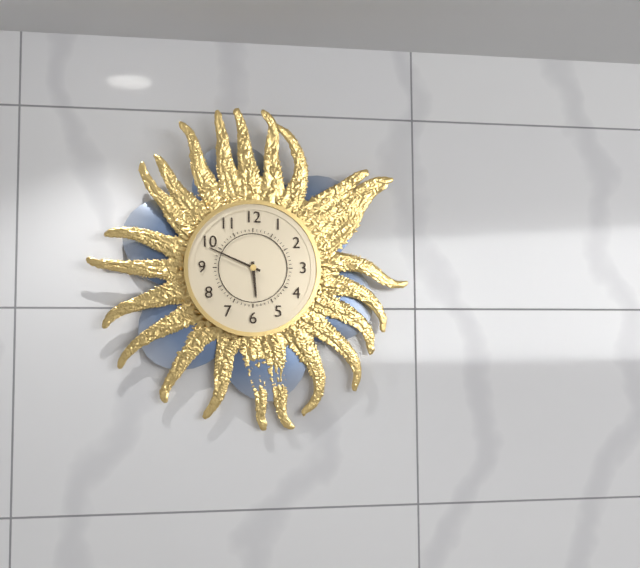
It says 5:49
